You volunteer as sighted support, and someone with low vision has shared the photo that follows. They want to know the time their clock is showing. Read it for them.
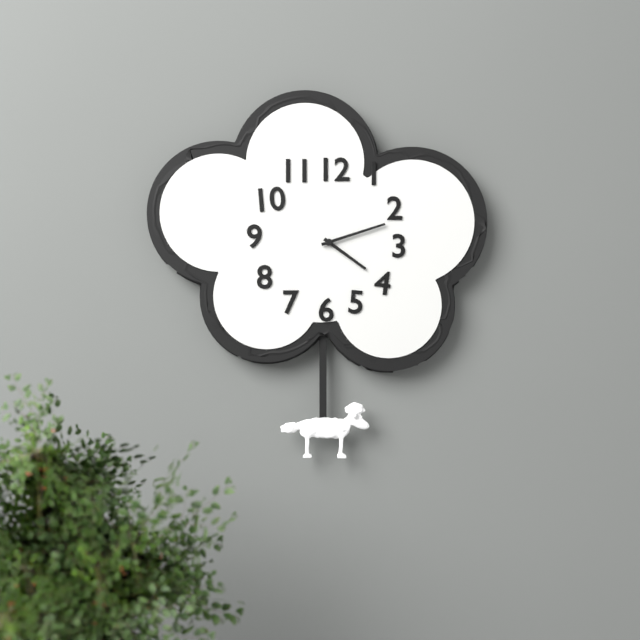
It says 4:12
